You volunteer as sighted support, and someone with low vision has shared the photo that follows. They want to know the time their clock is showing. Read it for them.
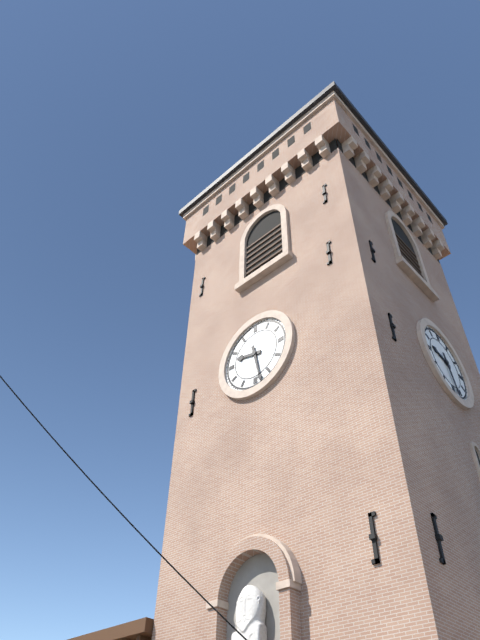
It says 9:28
